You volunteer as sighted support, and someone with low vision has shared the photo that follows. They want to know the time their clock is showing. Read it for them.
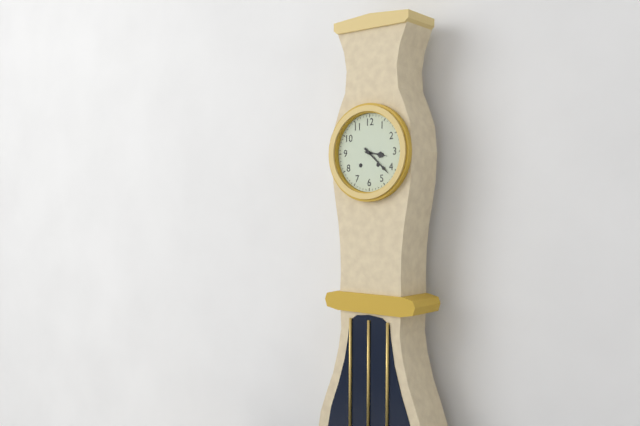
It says 3:22
